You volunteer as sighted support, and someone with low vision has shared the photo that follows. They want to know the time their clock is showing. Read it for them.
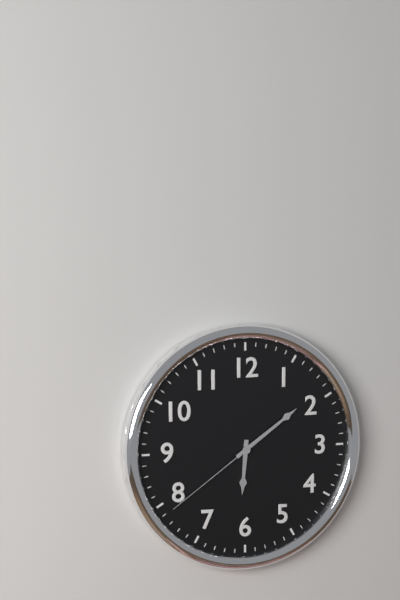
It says 6:09:39
